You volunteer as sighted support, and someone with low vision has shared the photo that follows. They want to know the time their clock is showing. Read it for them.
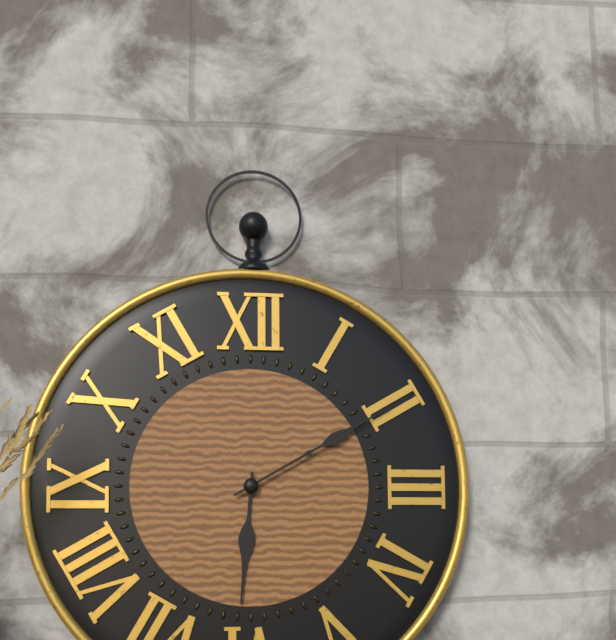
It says 6:10
